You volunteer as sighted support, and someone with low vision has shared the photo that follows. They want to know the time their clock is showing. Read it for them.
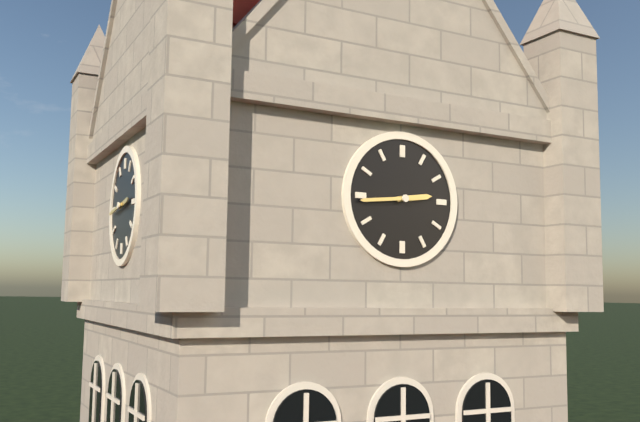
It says 2:44
